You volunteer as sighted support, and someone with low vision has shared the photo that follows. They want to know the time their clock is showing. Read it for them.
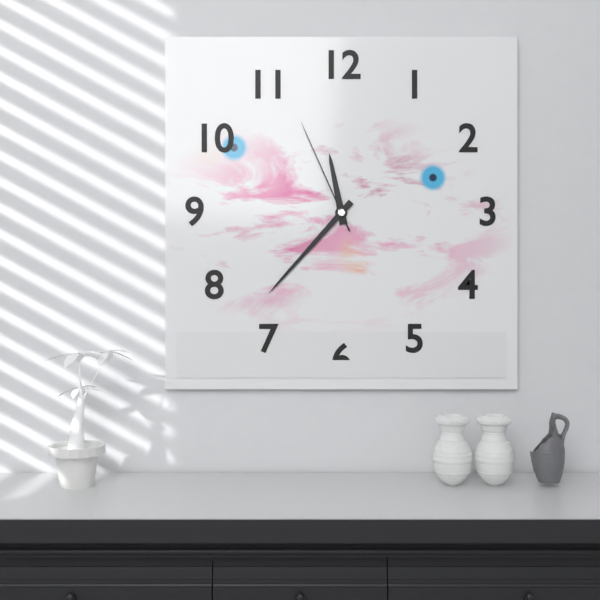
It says 11:37:56
